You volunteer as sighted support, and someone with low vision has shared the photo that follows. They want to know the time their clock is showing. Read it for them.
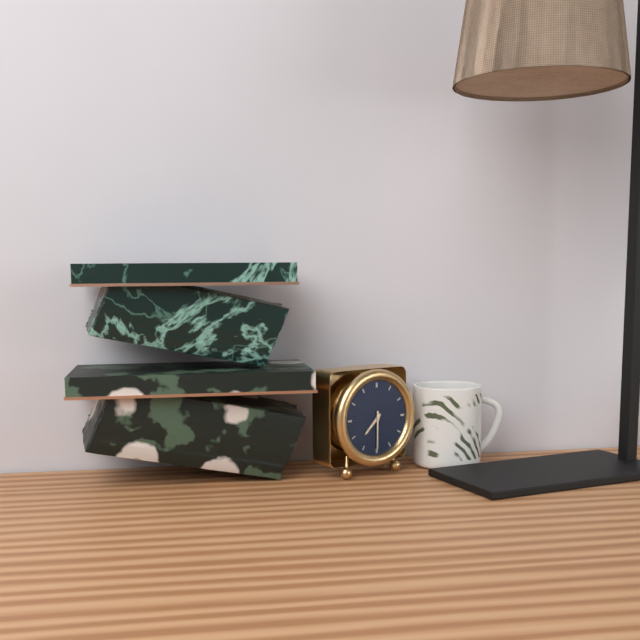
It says 7:30
